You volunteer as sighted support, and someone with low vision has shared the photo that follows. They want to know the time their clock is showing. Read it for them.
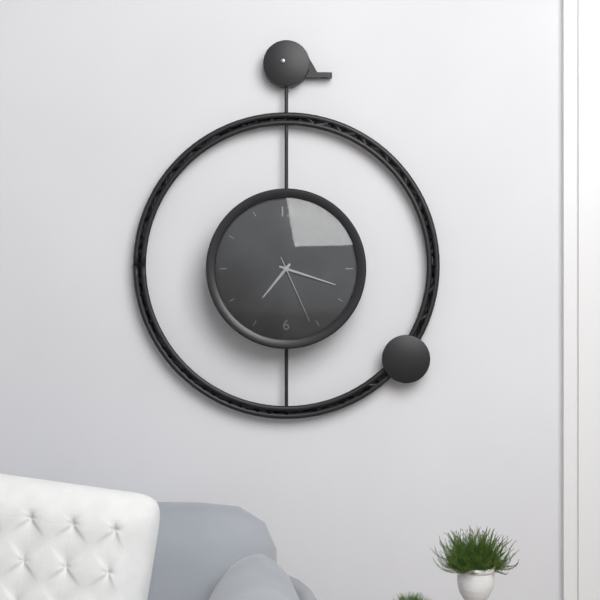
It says 7:18:26
